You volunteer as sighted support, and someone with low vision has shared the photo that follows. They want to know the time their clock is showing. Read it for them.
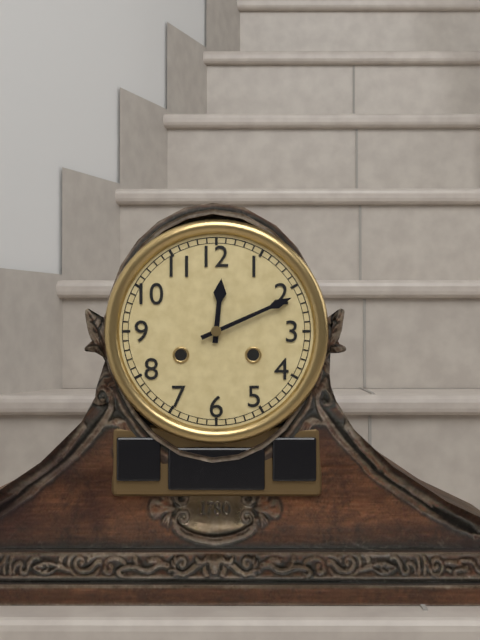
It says 12:11
